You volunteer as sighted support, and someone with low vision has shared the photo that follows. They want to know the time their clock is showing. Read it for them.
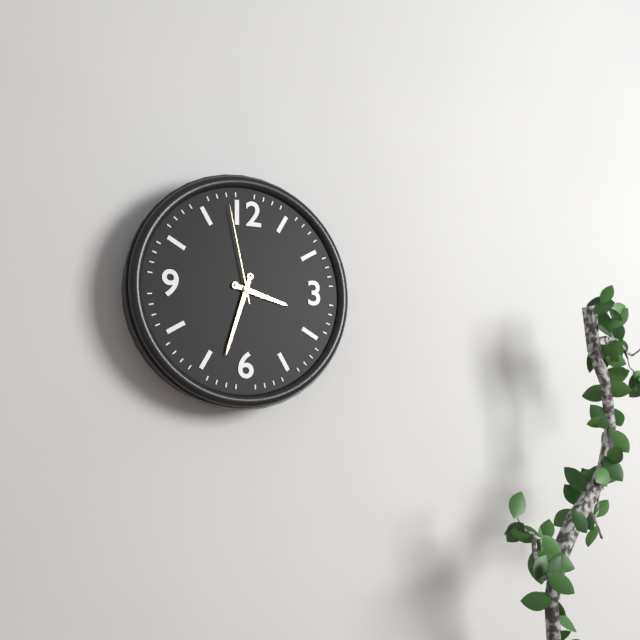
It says 3:33:58
